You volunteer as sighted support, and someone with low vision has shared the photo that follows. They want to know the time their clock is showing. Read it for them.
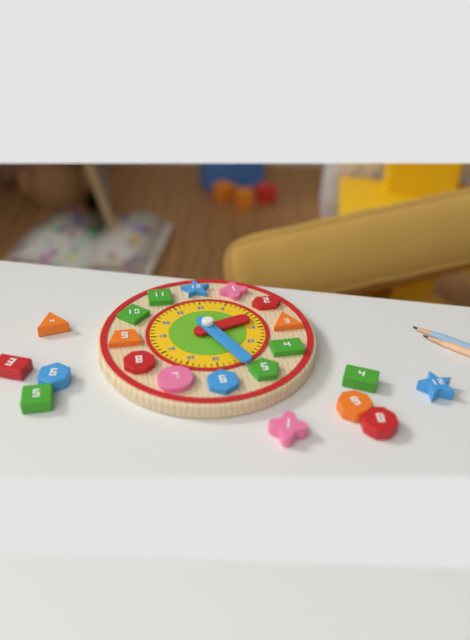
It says 2:26
